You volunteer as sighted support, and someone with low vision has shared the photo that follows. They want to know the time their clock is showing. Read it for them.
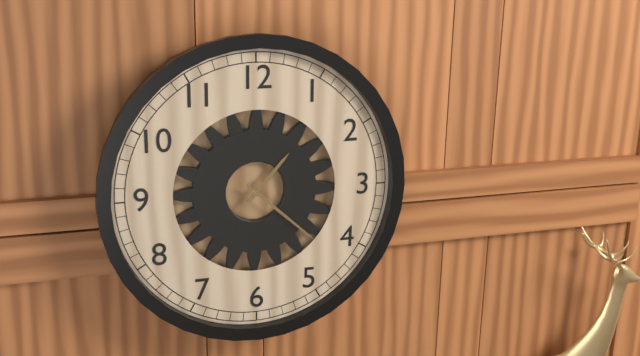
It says 1:22
